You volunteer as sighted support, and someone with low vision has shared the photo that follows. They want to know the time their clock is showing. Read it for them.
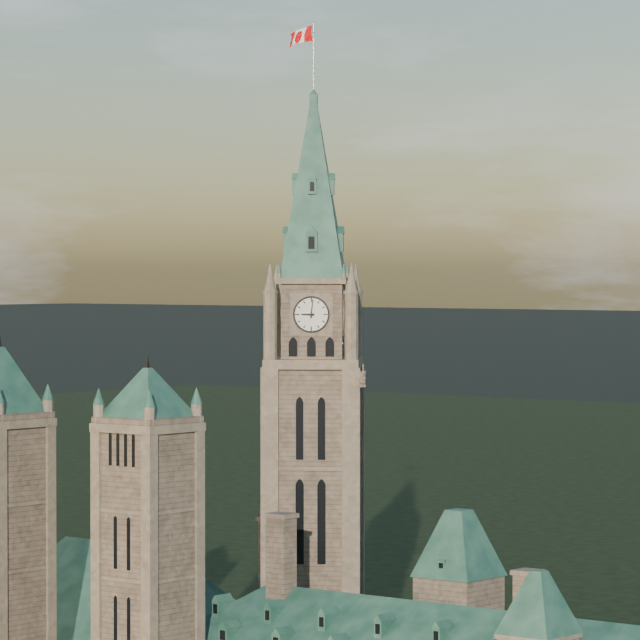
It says 9:01
